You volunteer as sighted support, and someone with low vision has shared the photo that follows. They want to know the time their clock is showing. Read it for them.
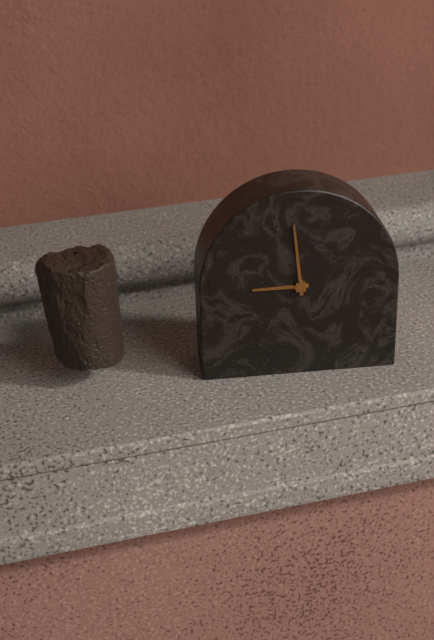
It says 8:59
